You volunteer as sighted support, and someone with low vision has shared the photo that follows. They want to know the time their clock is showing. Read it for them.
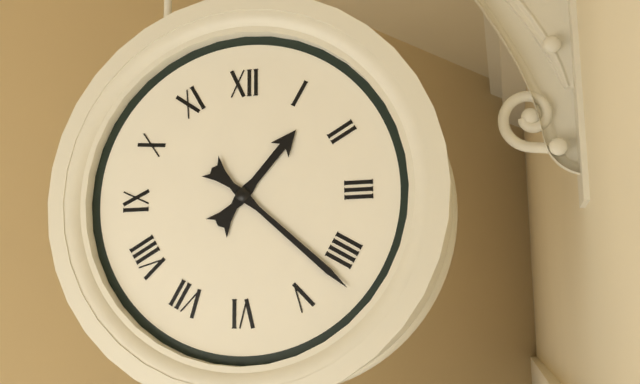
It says 1:22
